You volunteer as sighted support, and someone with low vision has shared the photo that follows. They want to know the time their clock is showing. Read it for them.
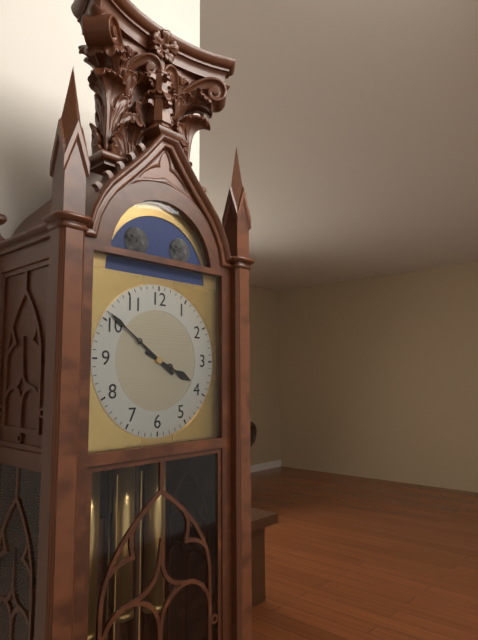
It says 3:51
